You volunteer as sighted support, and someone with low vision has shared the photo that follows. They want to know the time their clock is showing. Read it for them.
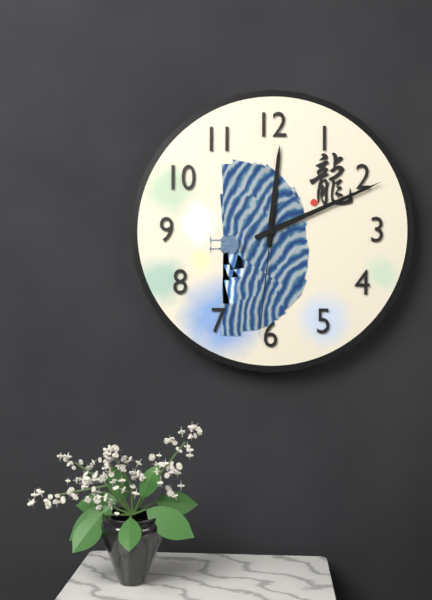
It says 12:11:31
